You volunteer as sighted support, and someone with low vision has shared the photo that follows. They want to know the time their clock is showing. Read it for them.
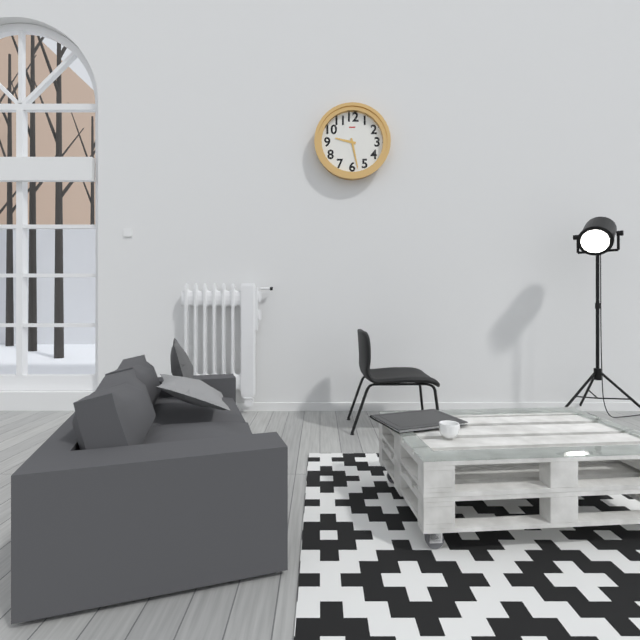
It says 9:28
